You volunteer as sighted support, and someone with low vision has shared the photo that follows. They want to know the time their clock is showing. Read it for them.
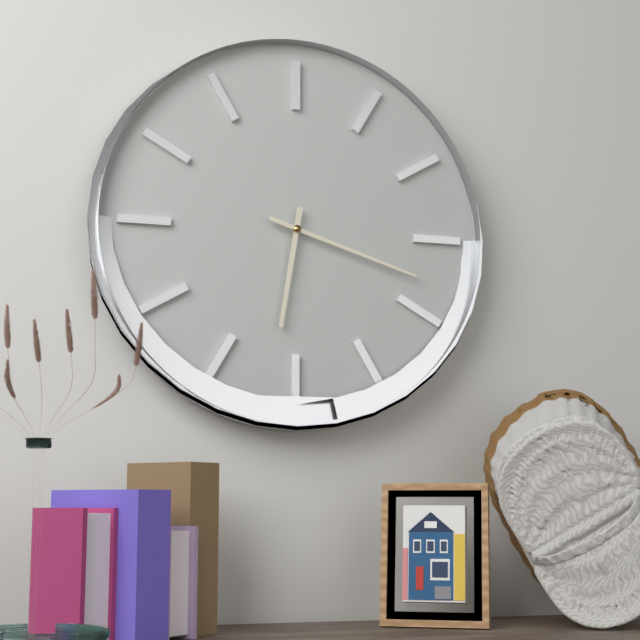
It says 6:18
